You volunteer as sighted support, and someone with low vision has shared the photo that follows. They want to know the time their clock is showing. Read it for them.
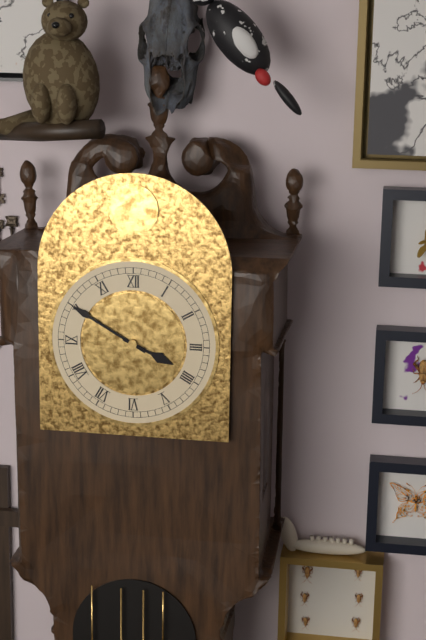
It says 3:50
